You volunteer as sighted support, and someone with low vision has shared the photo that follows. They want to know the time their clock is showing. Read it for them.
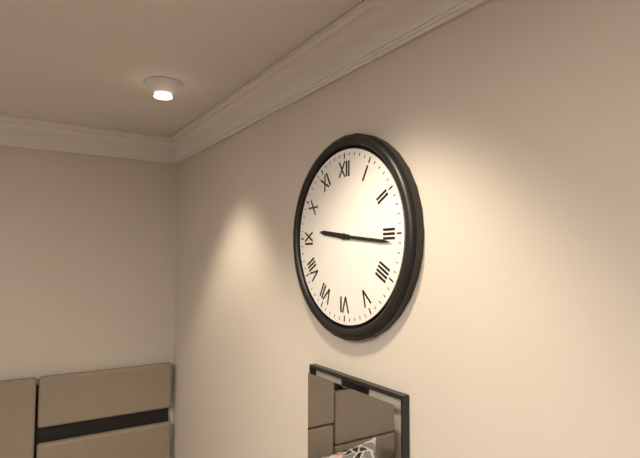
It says 9:16
